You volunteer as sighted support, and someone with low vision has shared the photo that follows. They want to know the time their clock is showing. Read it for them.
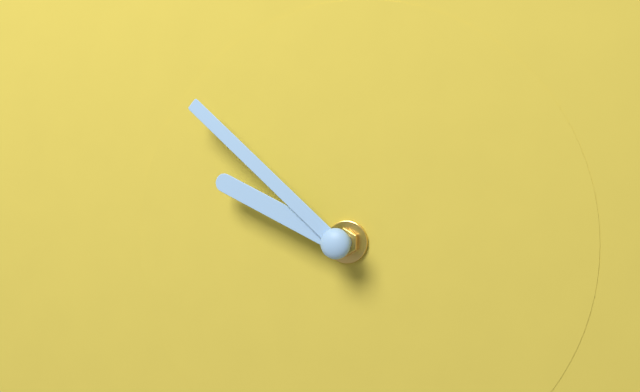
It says 9:52
